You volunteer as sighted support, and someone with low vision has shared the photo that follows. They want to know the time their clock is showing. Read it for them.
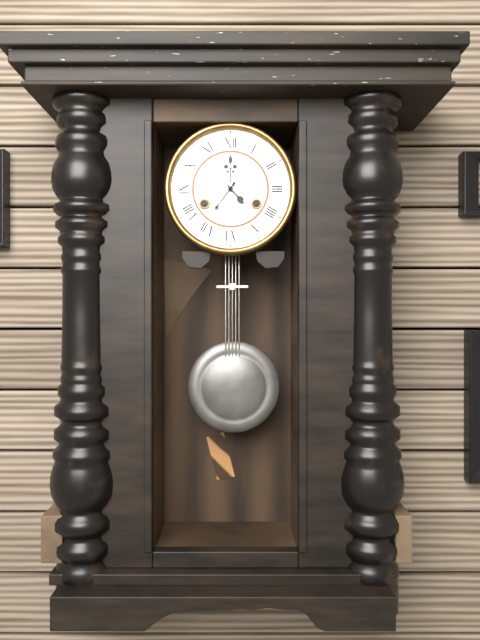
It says 4:36
